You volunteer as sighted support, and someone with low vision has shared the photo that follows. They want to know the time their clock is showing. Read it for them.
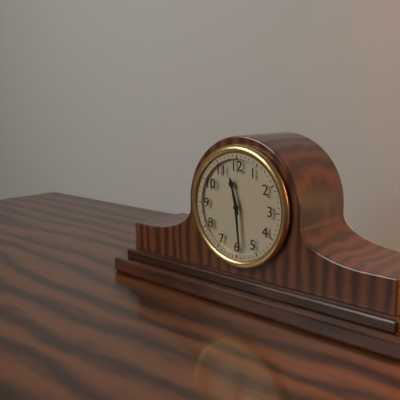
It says 11:29
